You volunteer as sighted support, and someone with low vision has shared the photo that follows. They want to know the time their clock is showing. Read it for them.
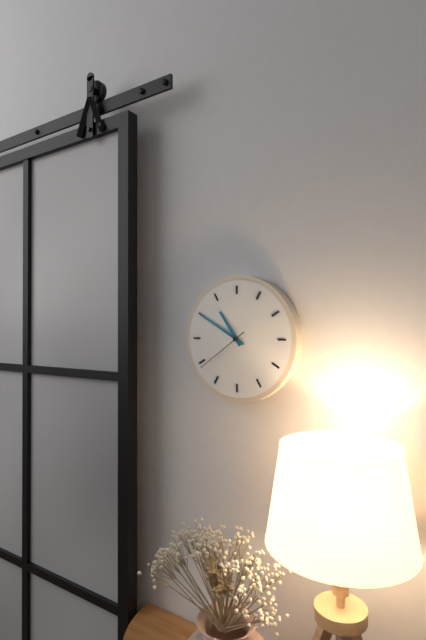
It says 10:50:39
